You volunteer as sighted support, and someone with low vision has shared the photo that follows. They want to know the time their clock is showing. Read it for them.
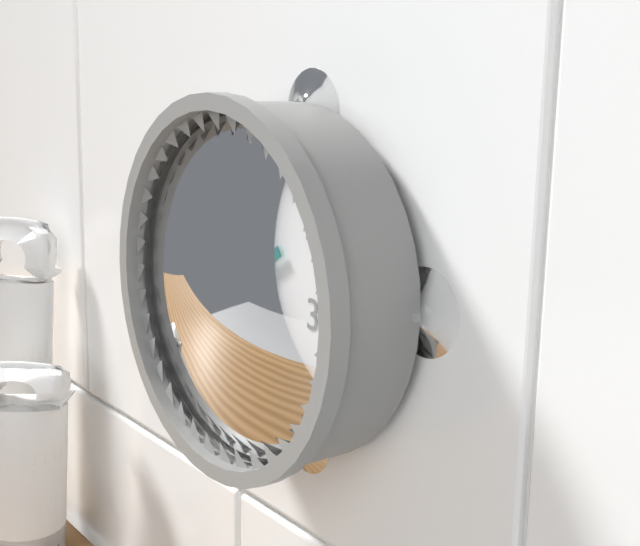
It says 1:57
